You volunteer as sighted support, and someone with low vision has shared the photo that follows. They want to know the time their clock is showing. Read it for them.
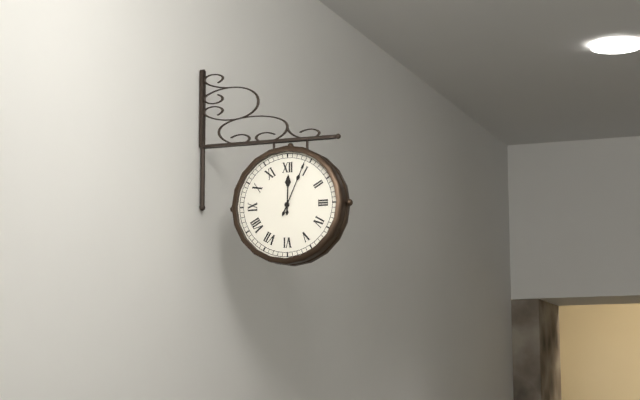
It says 12:04
